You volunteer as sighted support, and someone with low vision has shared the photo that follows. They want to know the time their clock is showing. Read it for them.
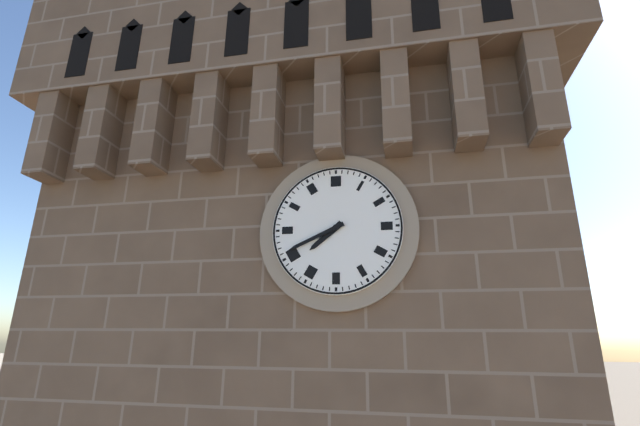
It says 7:41
